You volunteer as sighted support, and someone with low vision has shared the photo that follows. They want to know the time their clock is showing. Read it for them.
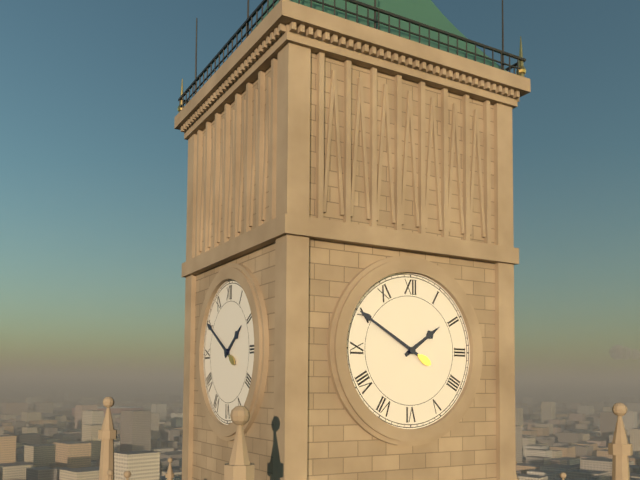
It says 1:50
